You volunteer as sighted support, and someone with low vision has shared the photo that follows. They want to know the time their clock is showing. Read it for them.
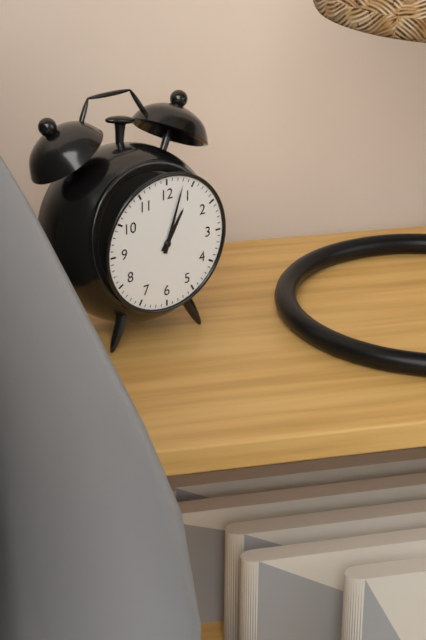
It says 1:03
